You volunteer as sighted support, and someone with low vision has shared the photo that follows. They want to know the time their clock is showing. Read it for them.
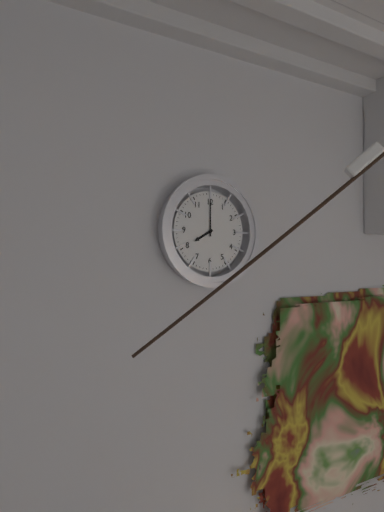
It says 8:00
